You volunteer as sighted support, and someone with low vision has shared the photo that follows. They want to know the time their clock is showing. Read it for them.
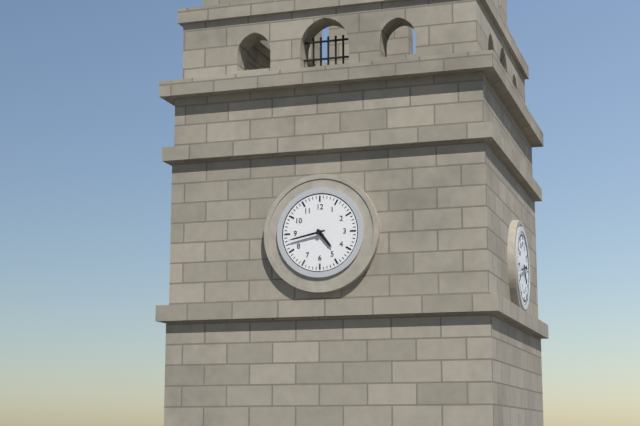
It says 4:43
